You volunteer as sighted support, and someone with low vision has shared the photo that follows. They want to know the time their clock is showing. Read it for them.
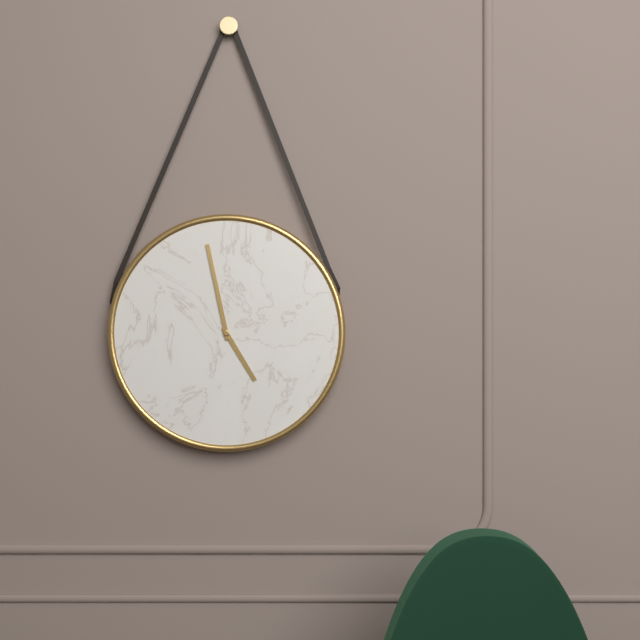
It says 4:58
